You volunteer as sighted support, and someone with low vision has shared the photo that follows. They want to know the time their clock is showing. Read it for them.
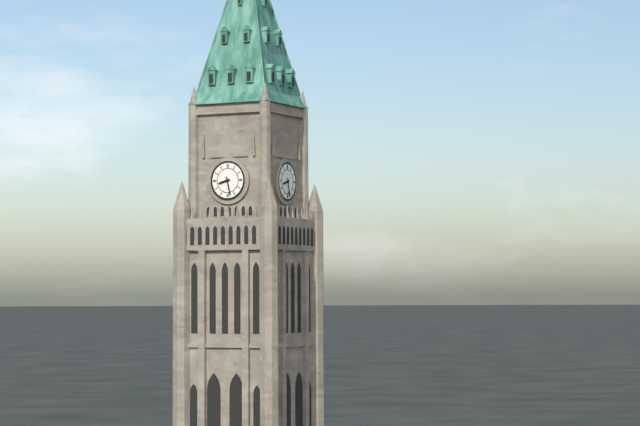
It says 8:28
